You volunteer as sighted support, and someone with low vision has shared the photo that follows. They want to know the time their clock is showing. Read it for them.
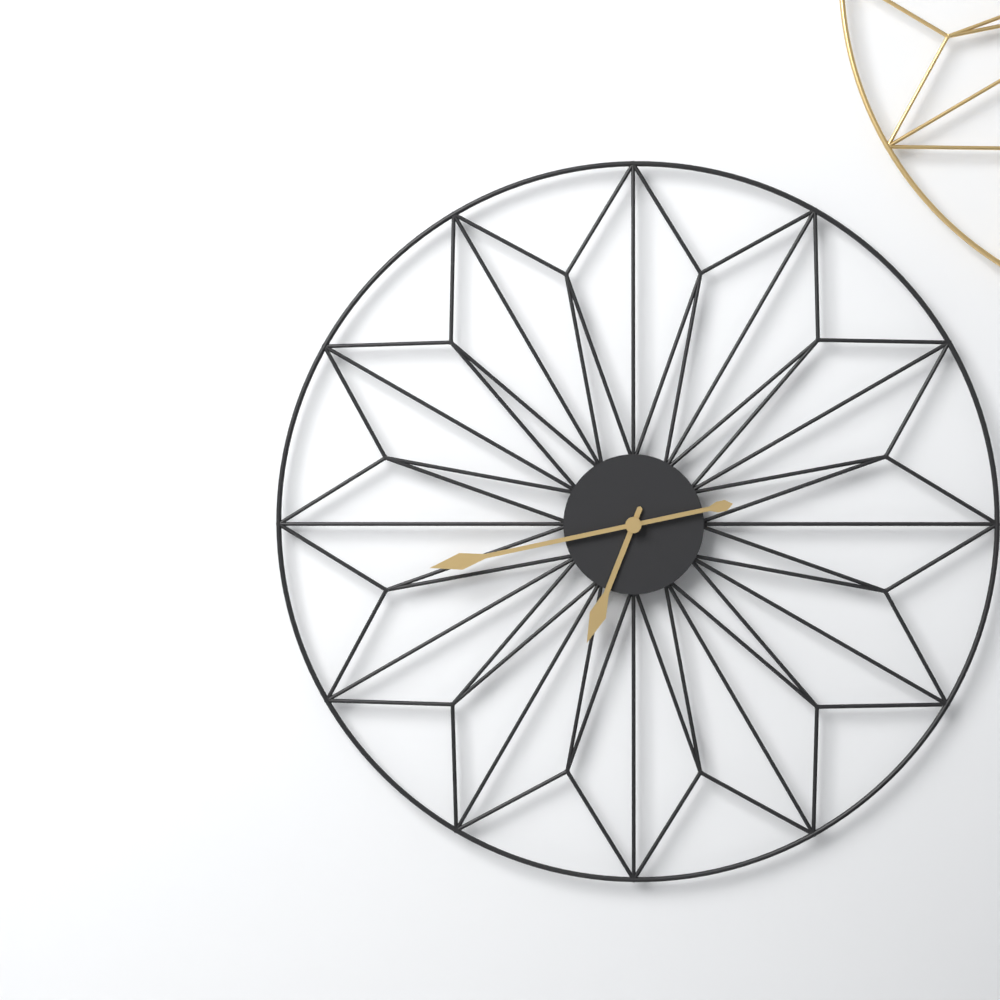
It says 6:43
